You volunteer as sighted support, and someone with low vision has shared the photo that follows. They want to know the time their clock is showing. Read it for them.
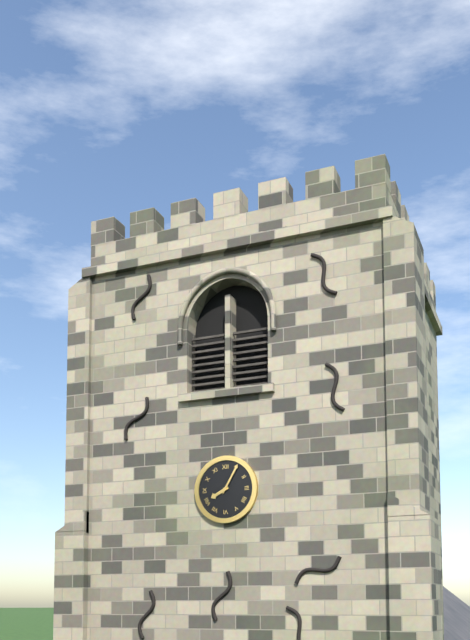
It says 8:05
